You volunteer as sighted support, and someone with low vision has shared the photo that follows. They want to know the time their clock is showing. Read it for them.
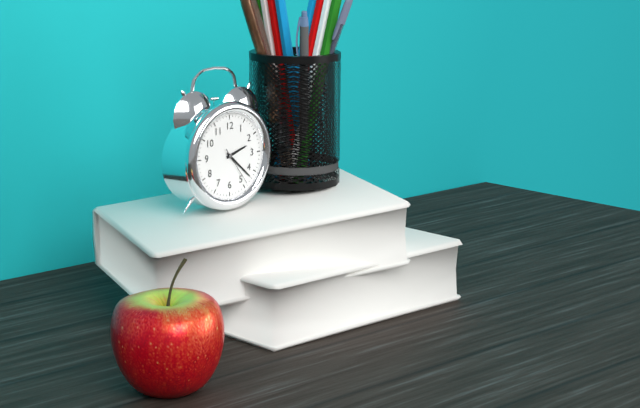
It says 2:22
